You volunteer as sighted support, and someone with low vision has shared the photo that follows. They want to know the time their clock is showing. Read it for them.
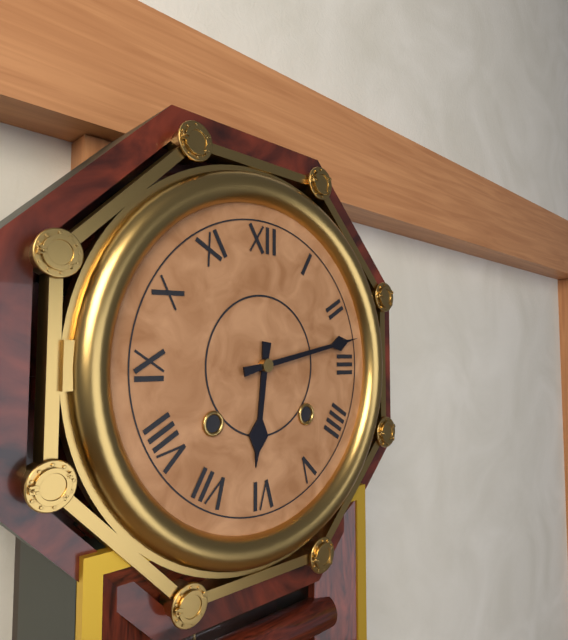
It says 6:13
